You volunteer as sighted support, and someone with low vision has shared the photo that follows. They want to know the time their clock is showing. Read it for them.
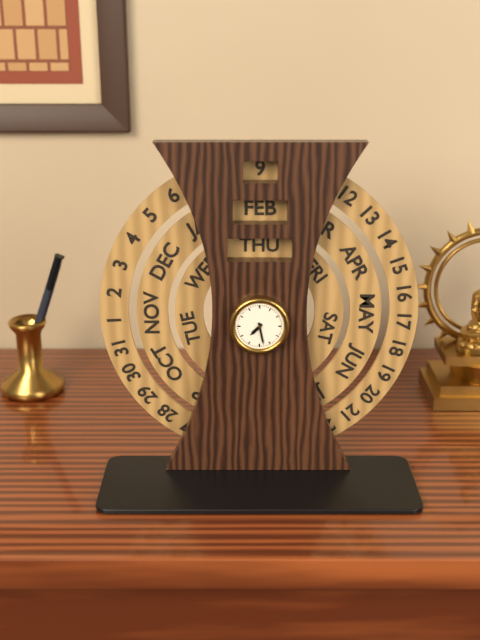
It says 7:28
